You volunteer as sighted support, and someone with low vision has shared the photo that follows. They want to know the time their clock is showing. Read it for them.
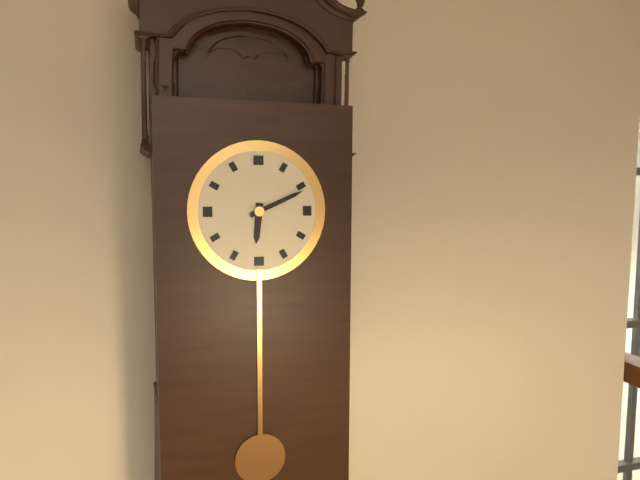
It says 6:11
